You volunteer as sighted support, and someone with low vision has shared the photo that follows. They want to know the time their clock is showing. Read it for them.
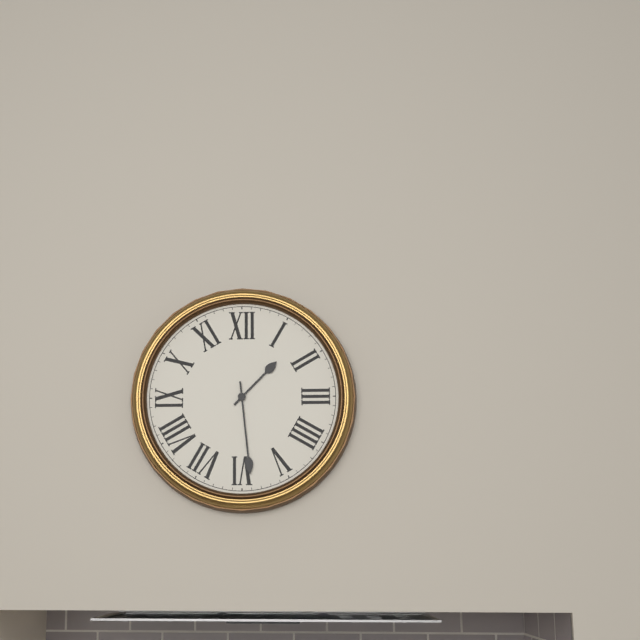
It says 1:29
